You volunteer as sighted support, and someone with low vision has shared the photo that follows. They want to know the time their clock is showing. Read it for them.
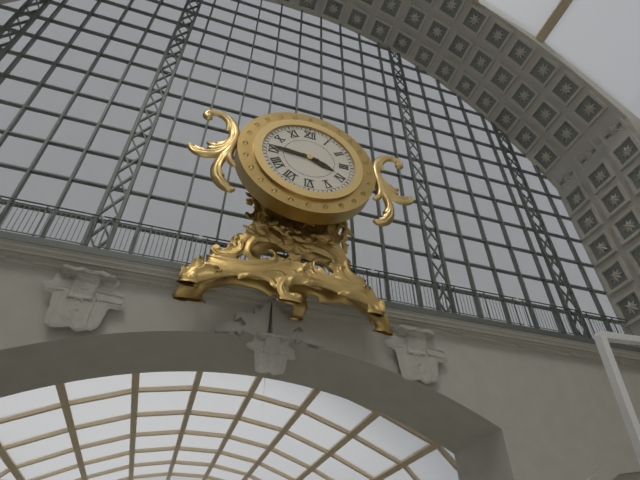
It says 3:46
